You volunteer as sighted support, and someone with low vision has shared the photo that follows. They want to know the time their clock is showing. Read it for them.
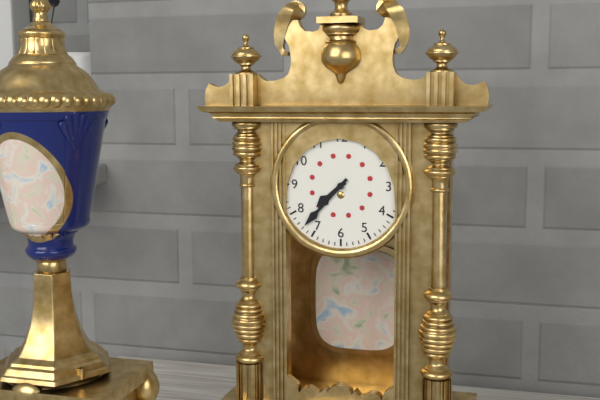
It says 7:37
